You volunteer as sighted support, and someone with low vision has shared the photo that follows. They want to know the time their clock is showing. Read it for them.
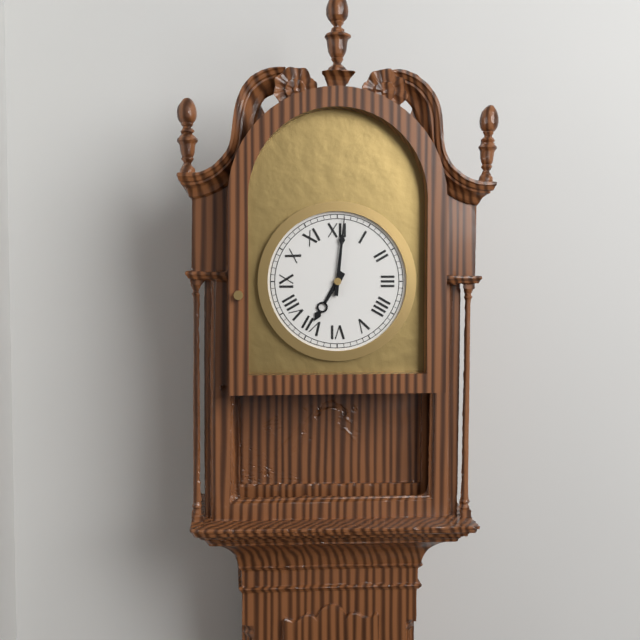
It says 7:01
